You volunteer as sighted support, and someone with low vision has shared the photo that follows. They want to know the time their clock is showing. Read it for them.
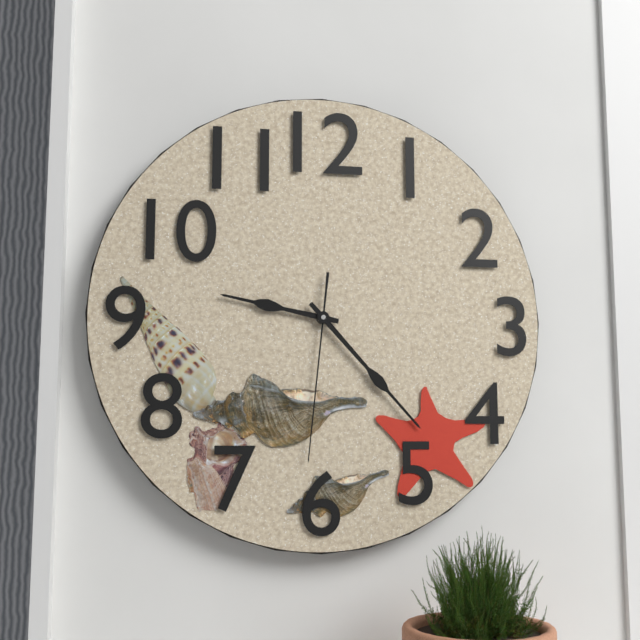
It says 9:23:31
